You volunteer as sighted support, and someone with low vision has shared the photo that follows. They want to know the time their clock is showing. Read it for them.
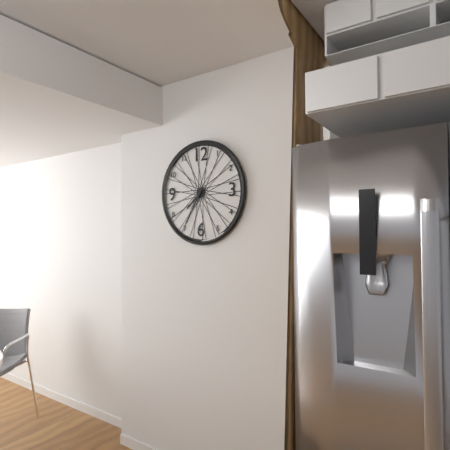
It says 7:35
